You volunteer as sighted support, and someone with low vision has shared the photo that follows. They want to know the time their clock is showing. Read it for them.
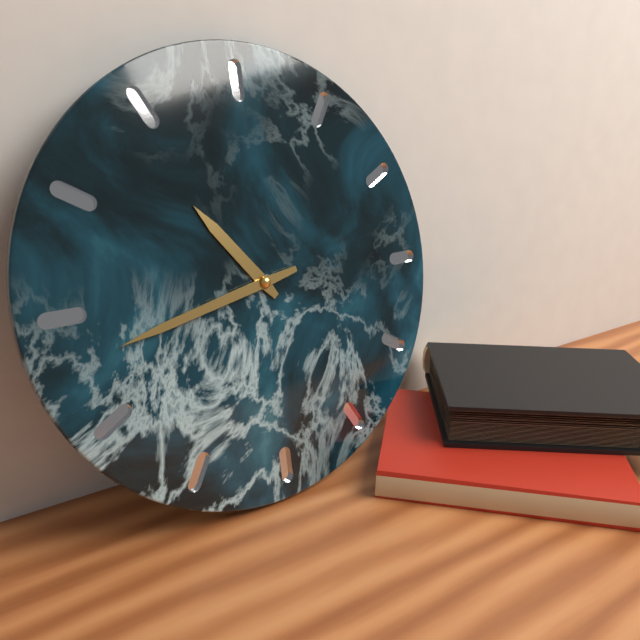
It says 10:43
